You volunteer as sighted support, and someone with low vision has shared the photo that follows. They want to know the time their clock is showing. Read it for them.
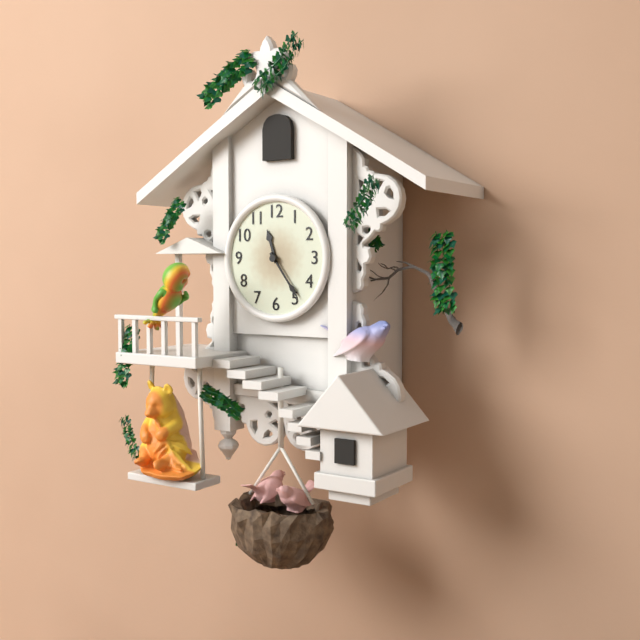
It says 11:24
